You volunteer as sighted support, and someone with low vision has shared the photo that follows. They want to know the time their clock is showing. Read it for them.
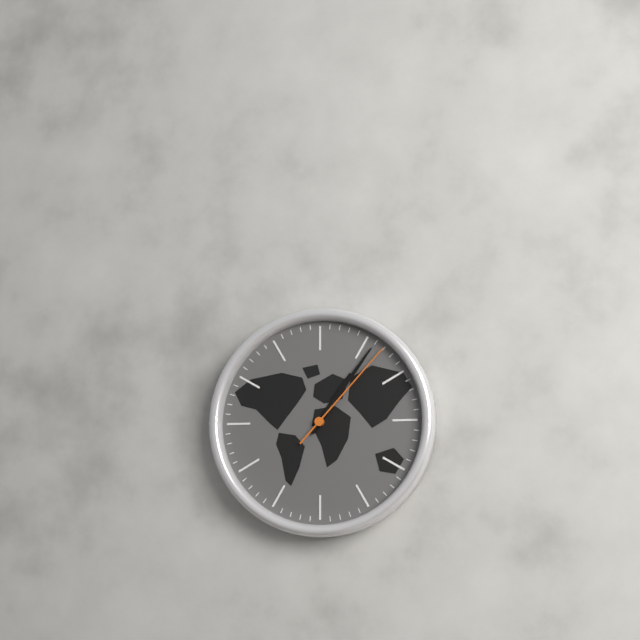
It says 1:06:07
